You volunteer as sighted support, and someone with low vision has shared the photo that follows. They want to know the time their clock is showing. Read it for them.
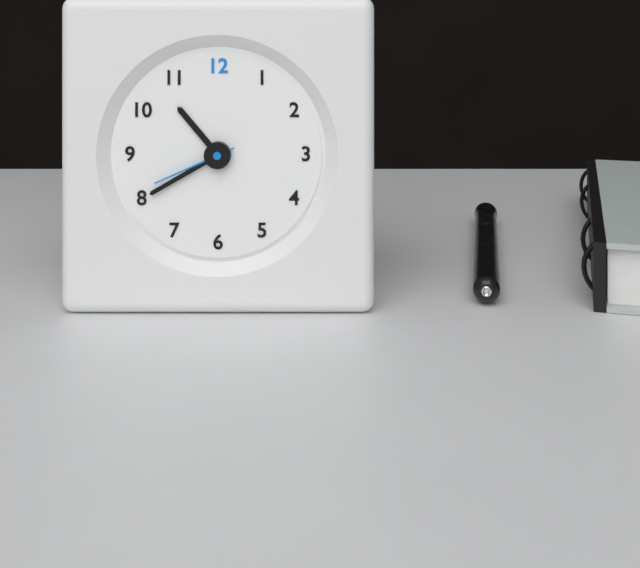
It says 10:40:41
